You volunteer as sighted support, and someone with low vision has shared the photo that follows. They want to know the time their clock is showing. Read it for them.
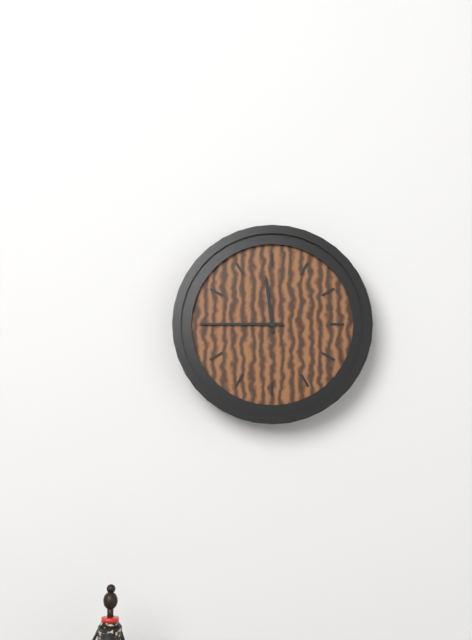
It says 11:45
